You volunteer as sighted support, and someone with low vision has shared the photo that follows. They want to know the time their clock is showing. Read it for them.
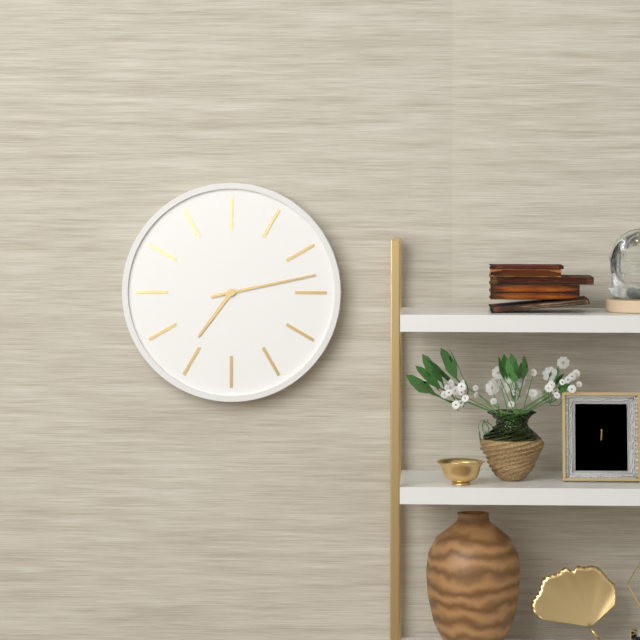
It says 7:13
